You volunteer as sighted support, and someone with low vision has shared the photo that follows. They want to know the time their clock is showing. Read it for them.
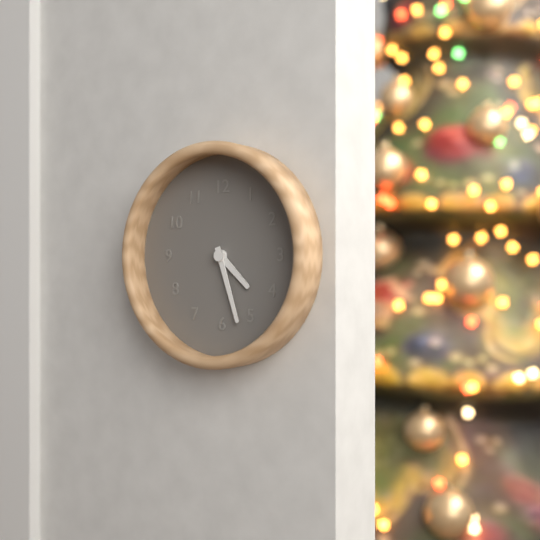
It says 4:27
